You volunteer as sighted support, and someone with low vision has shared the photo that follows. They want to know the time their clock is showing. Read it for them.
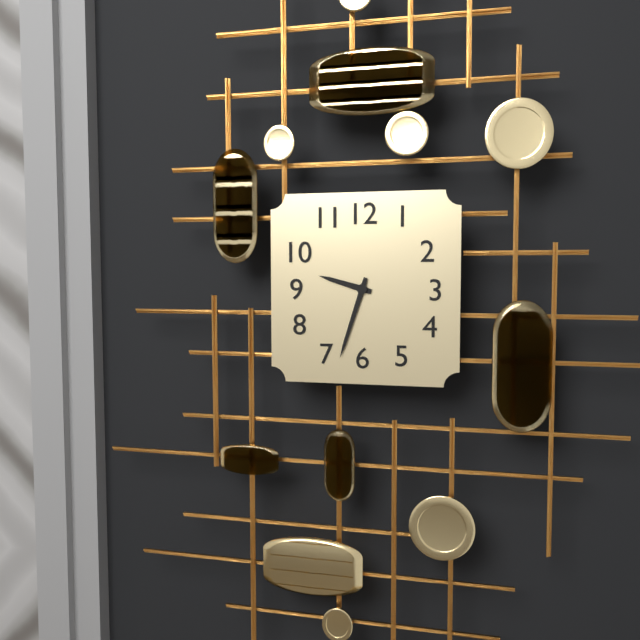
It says 9:33
